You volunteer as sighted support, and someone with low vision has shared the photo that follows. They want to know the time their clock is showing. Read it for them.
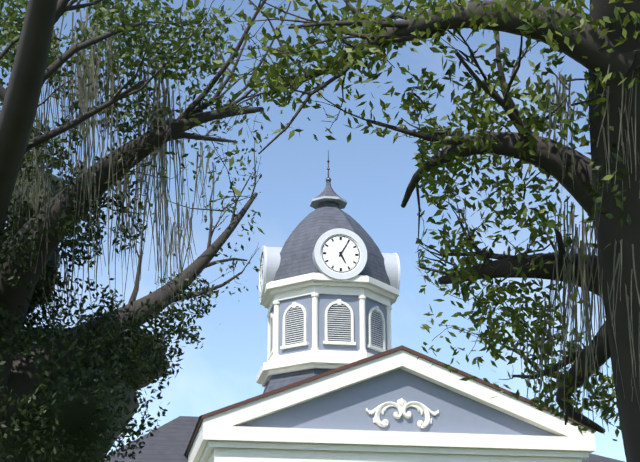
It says 5:05
